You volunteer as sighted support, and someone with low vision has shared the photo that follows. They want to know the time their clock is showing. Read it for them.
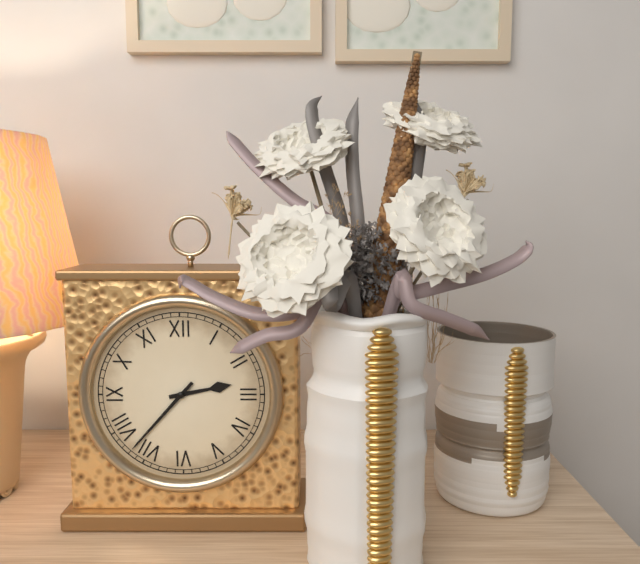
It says 2:37
